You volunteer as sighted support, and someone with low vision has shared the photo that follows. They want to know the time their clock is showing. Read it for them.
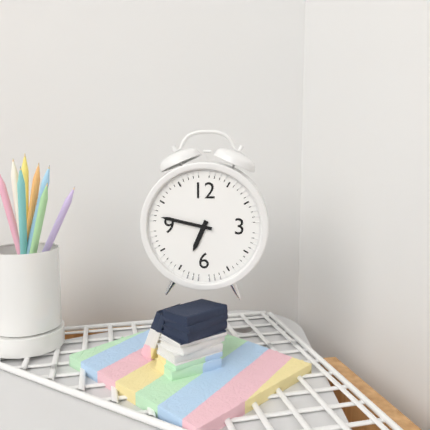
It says 6:47
